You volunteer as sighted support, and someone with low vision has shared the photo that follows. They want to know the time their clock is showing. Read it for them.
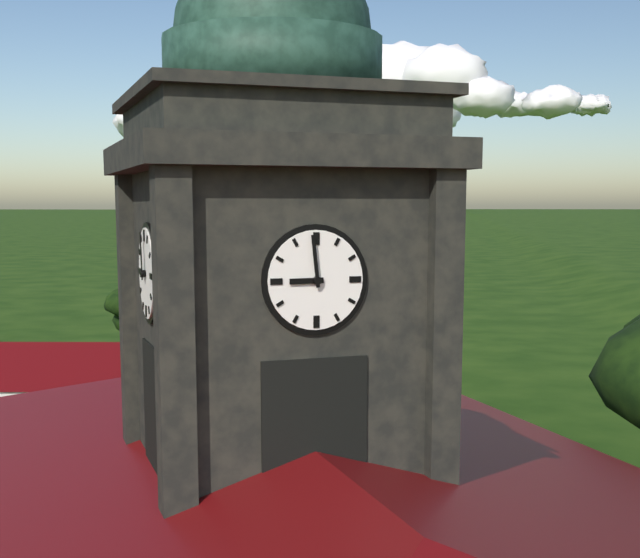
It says 8:59
